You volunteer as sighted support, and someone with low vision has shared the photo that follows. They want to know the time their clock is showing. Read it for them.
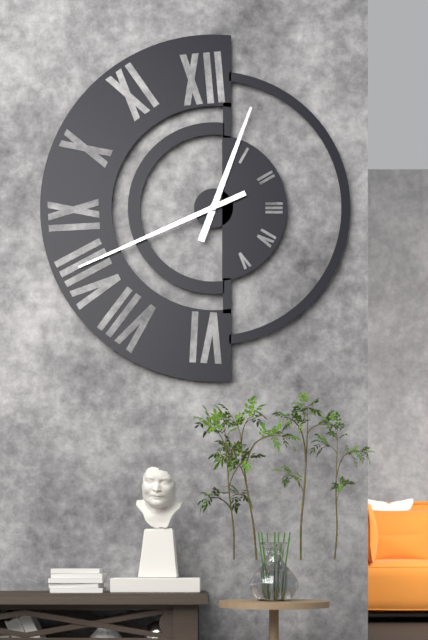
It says 12:41
